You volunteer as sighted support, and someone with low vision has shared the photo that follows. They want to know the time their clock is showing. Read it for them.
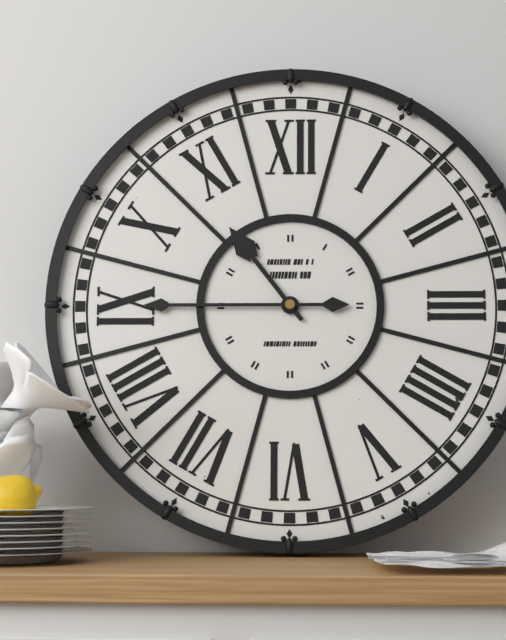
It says 10:45
